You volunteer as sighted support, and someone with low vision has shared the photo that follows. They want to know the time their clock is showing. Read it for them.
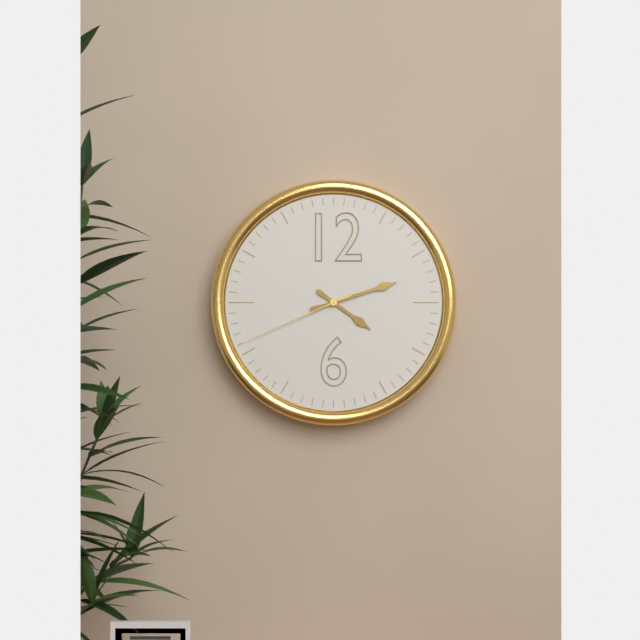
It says 4:12:41
